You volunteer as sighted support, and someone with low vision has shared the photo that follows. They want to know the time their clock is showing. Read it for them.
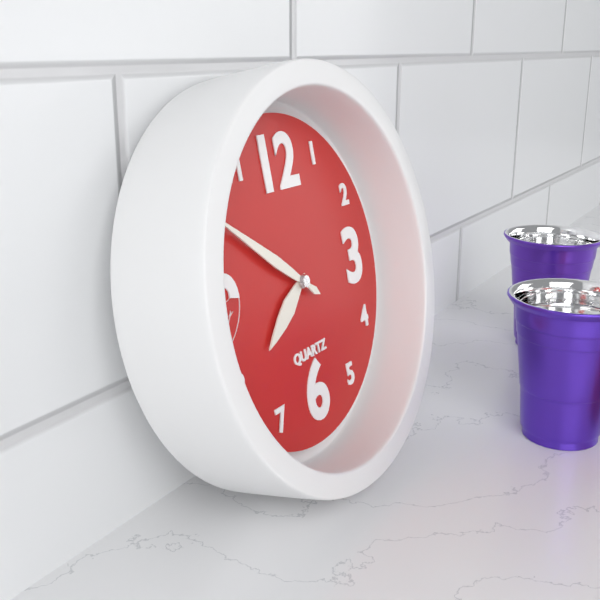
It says 7:51
